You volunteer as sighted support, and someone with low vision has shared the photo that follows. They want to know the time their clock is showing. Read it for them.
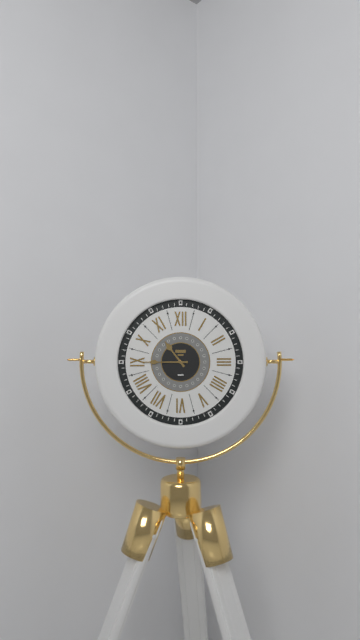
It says 10:45
